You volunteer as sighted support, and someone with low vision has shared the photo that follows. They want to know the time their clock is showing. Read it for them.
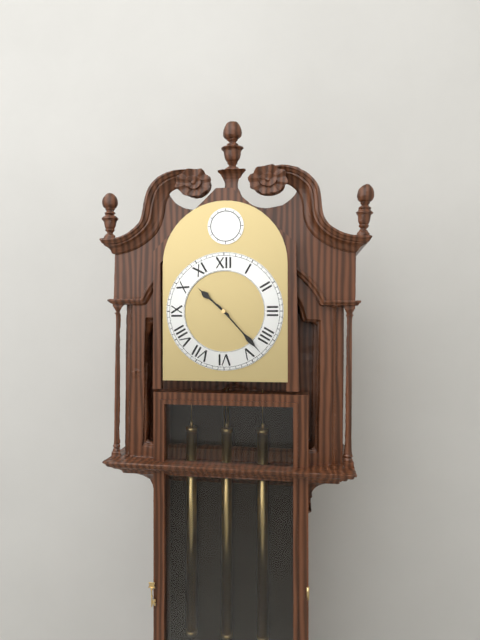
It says 10:23
